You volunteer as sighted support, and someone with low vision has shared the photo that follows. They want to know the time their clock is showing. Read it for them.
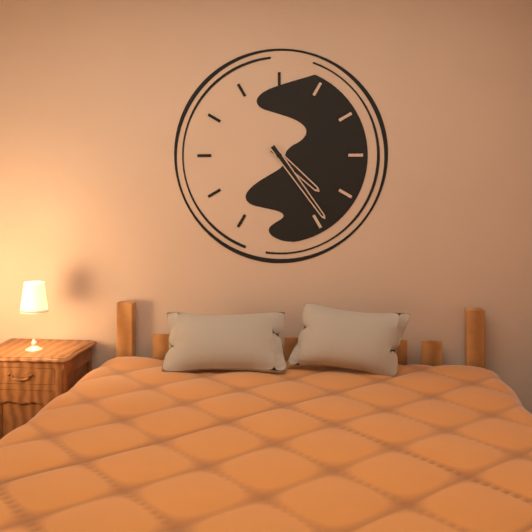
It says 4:24
